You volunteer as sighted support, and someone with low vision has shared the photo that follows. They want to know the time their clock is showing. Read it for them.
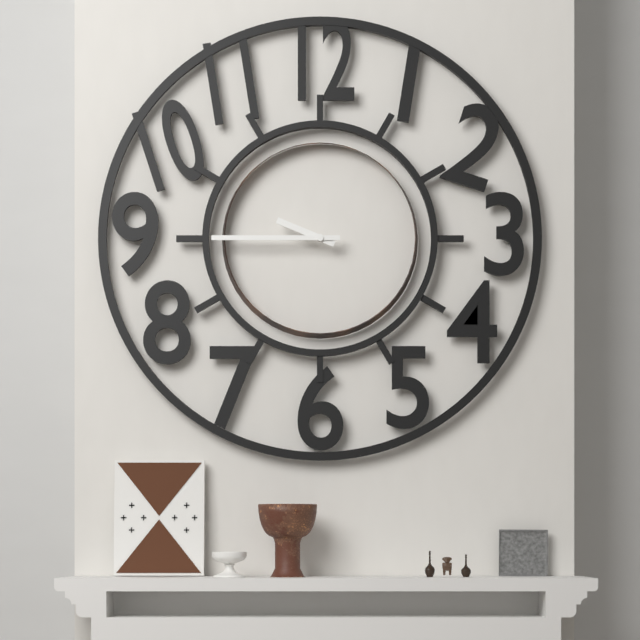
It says 9:45
